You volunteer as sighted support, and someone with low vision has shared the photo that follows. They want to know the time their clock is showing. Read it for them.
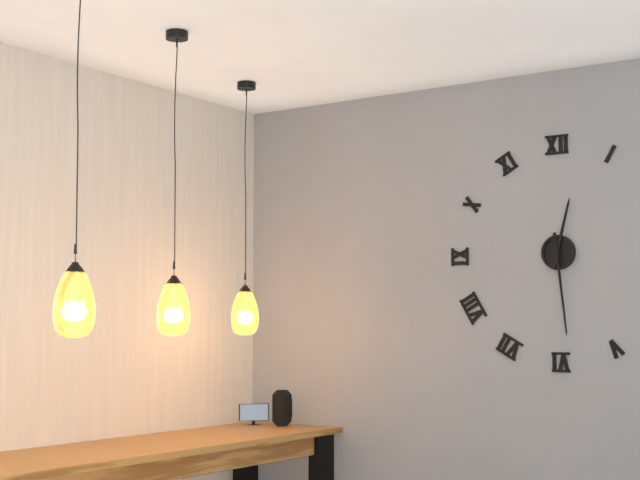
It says 12:29
